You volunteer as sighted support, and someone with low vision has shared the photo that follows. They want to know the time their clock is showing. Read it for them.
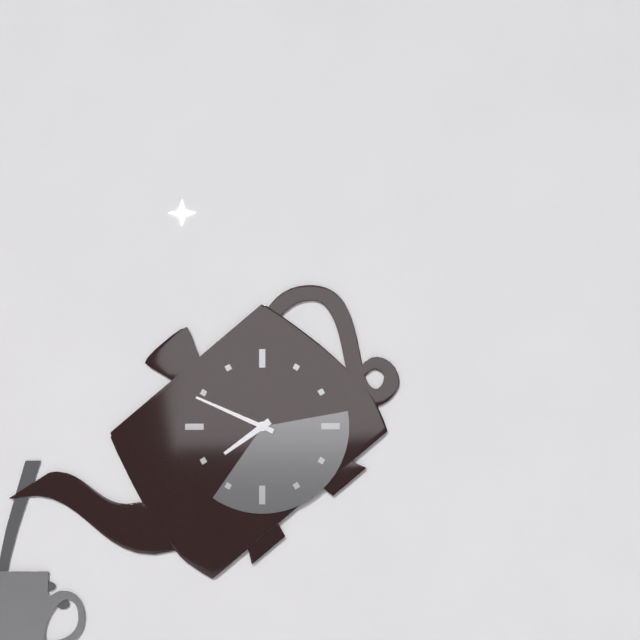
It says 7:49
